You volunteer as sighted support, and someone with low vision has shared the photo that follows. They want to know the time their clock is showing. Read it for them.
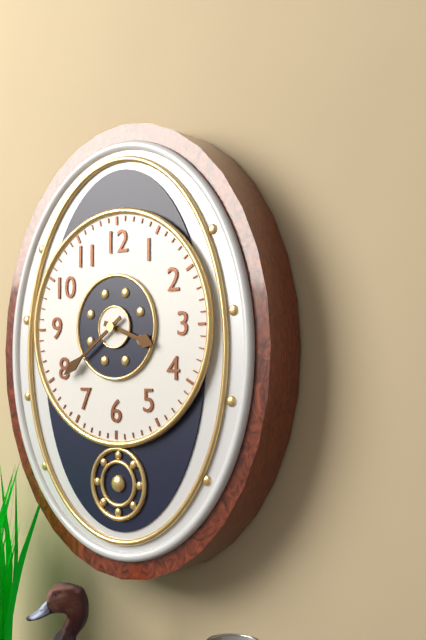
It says 3:39
